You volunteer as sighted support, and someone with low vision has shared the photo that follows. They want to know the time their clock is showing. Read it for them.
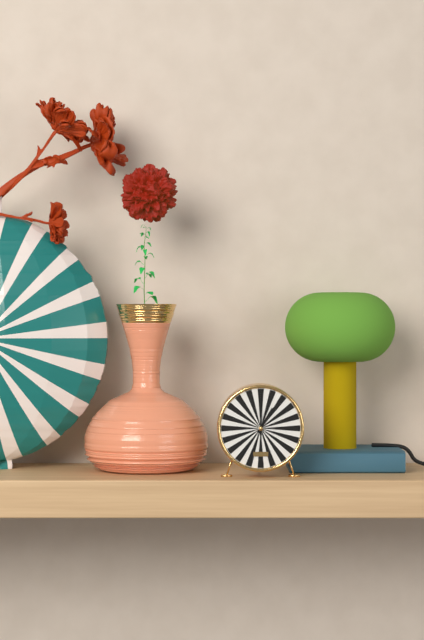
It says 1:00
